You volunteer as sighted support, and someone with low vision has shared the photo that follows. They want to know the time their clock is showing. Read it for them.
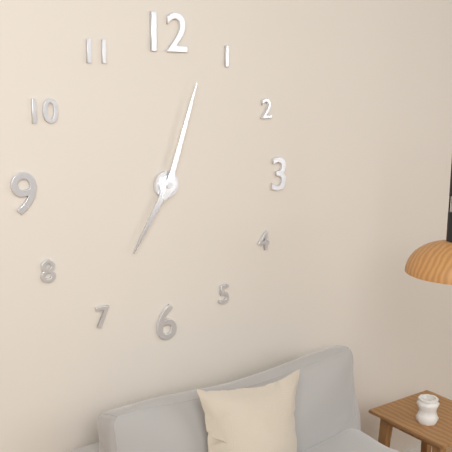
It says 7:03
